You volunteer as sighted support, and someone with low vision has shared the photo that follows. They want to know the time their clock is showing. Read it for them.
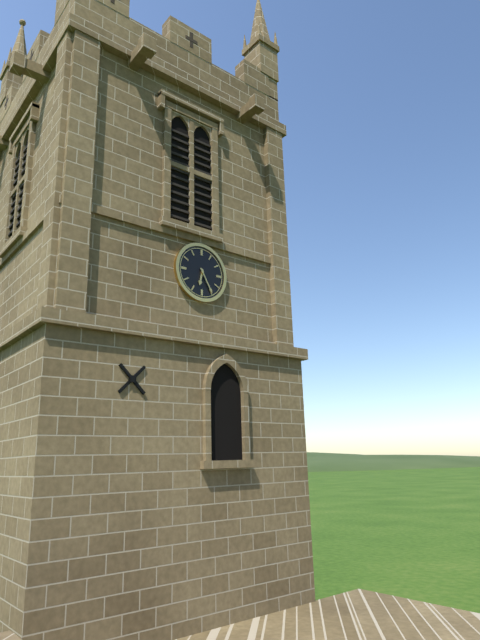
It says 6:25
